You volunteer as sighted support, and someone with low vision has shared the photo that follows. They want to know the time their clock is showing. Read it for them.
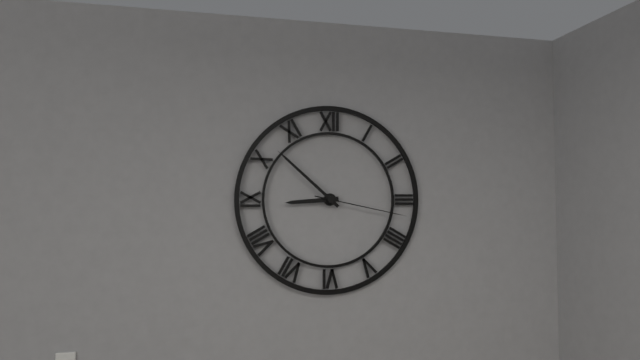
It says 8:52:17
